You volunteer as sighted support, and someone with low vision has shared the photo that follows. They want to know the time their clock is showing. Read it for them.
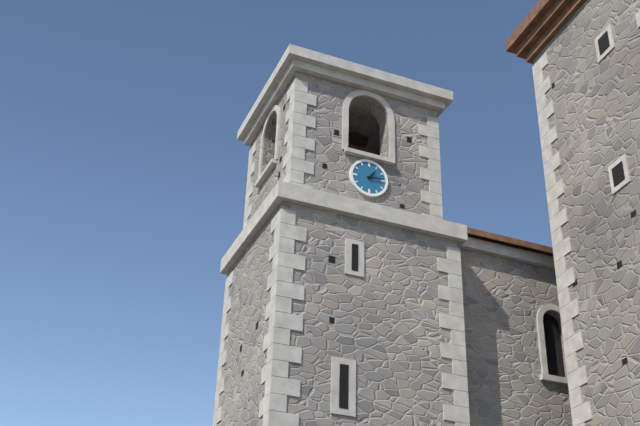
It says 1:14
